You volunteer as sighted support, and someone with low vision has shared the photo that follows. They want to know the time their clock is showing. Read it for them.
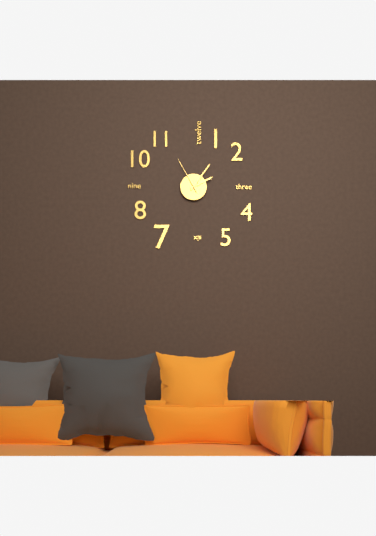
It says 2:06
